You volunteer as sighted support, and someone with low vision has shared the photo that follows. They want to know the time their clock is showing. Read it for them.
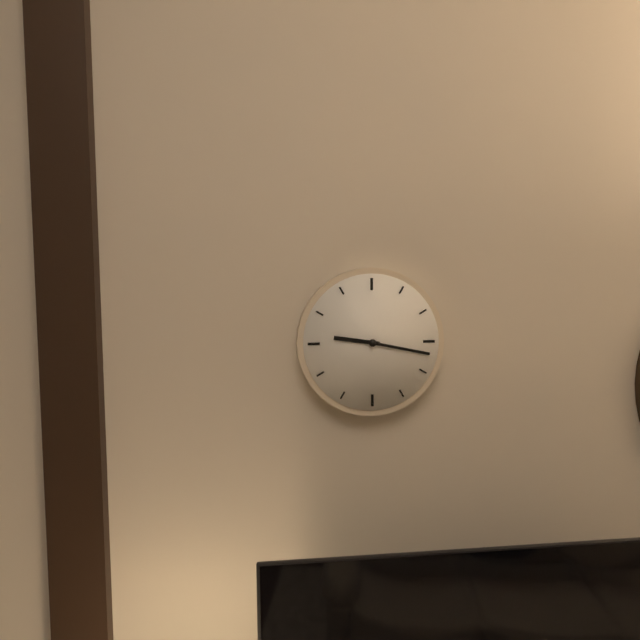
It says 9:17
